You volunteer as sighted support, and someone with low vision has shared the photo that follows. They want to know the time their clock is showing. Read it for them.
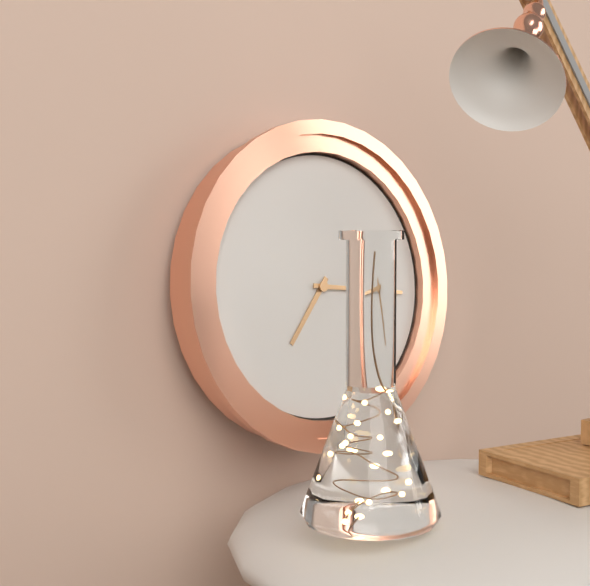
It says 7:16
